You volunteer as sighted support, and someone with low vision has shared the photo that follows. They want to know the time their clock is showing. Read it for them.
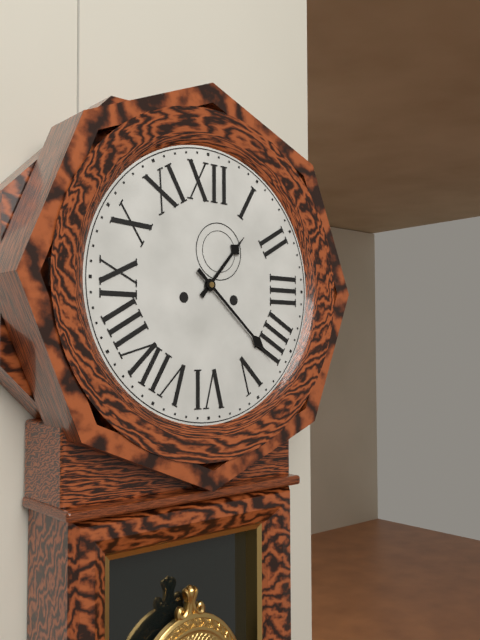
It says 1:22
